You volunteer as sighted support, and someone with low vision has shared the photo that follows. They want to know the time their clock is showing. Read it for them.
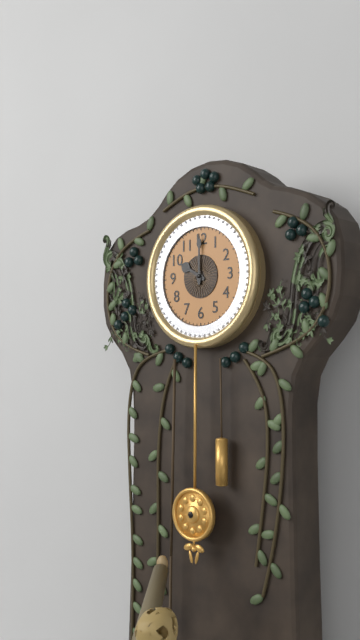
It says 10:00
